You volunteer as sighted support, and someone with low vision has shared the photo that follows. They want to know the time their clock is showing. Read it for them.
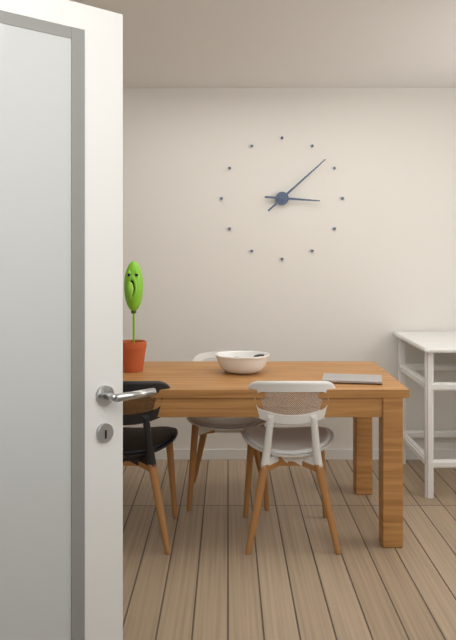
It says 3:08
